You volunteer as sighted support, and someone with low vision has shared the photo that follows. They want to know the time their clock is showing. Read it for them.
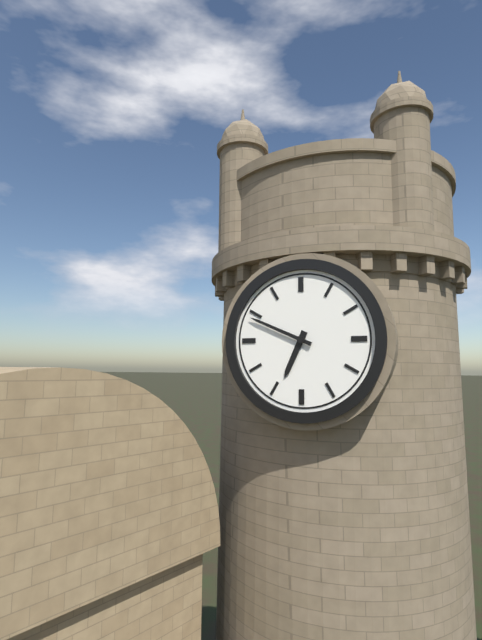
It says 6:49
